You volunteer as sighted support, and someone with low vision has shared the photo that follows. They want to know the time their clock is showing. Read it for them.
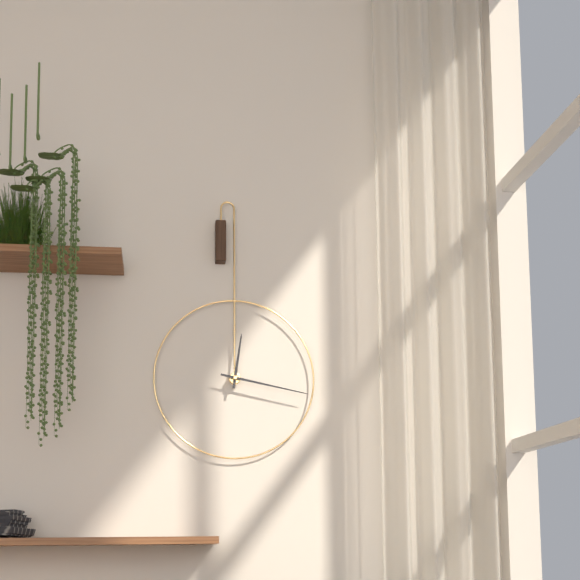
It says 12:17
